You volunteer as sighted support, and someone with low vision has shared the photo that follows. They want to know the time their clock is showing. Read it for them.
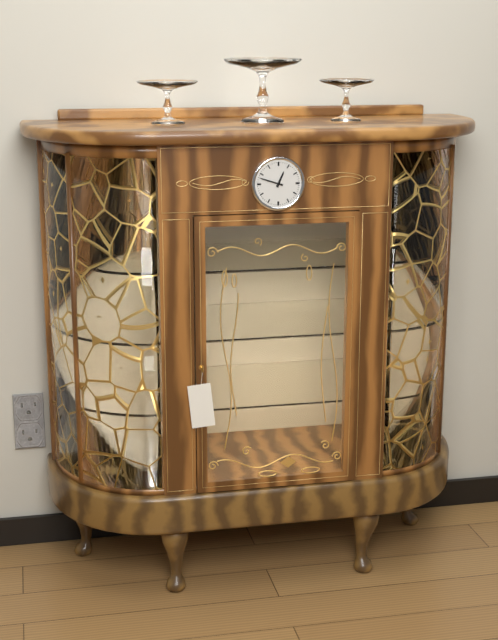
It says 12:48
